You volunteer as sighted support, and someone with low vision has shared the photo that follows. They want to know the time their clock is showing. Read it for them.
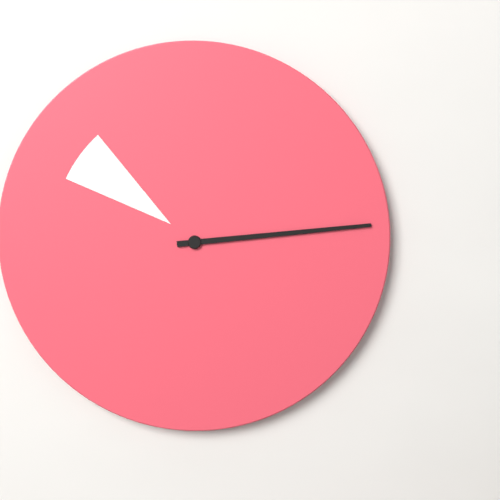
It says 10:14
